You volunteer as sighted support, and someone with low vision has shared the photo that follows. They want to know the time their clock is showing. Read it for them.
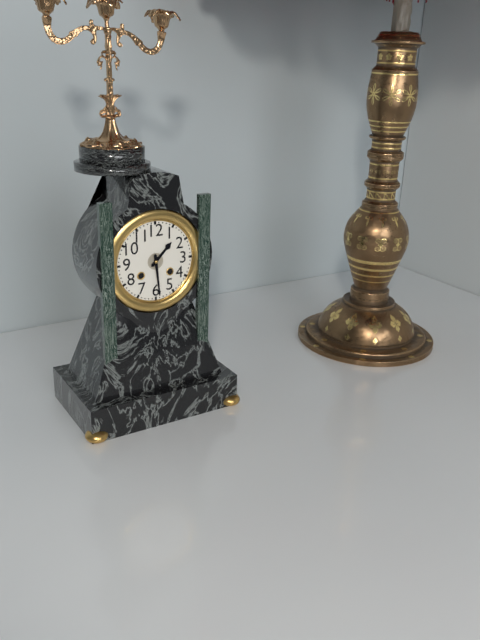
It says 1:29
